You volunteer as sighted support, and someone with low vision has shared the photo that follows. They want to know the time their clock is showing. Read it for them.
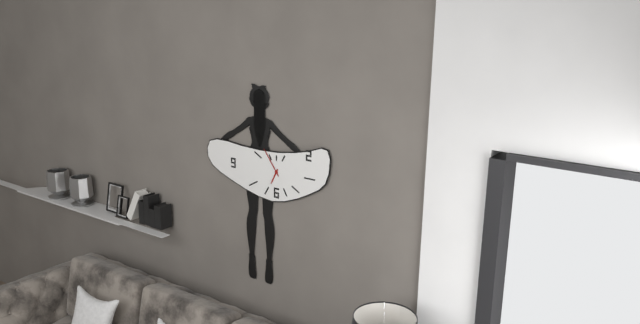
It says 6:54
